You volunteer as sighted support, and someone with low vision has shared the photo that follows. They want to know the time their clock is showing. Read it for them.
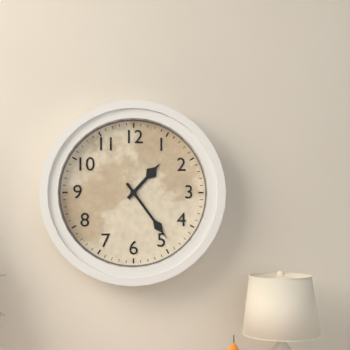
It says 1:24
